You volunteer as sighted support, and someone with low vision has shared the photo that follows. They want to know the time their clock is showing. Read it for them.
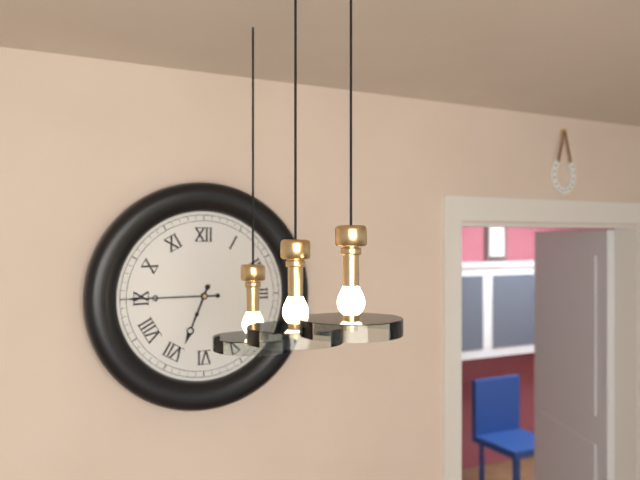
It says 6:45
